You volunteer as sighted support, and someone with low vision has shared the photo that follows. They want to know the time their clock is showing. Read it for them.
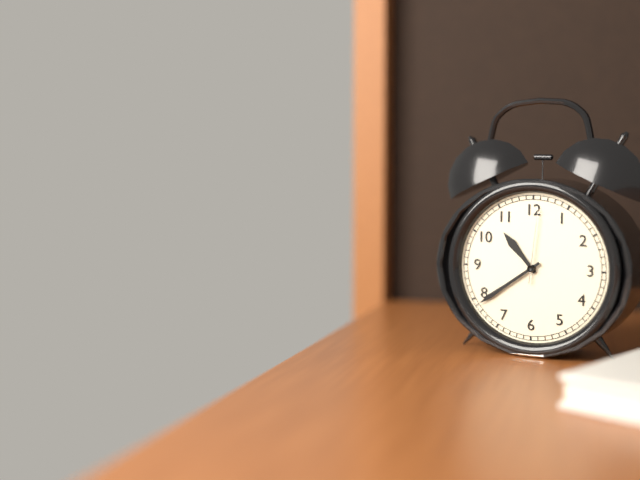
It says 10:39:01
